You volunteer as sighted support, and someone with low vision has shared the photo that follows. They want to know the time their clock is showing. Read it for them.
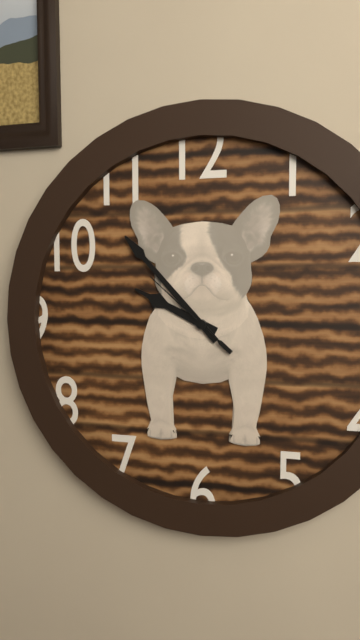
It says 9:53:52
